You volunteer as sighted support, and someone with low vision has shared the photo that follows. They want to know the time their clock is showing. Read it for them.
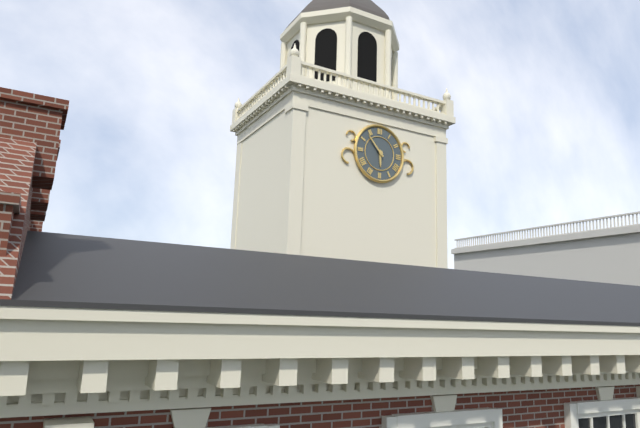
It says 5:53
